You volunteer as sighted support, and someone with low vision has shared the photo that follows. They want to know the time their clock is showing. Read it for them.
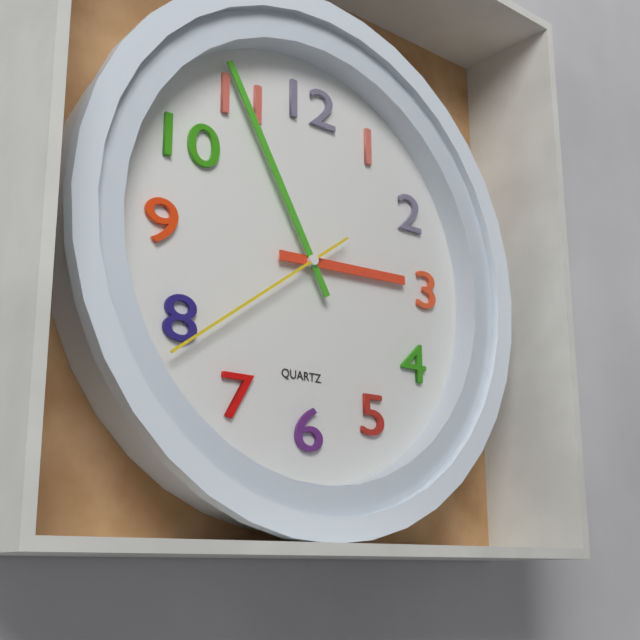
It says 2:55:39
